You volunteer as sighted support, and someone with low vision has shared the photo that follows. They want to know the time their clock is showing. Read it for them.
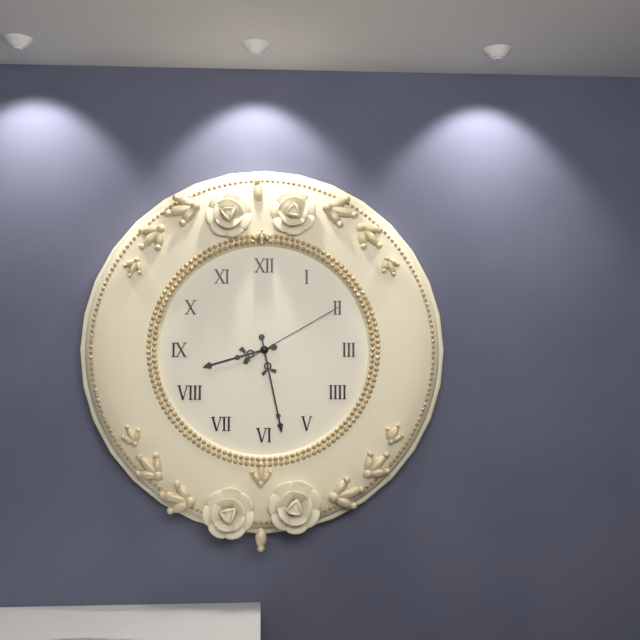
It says 8:28:10
